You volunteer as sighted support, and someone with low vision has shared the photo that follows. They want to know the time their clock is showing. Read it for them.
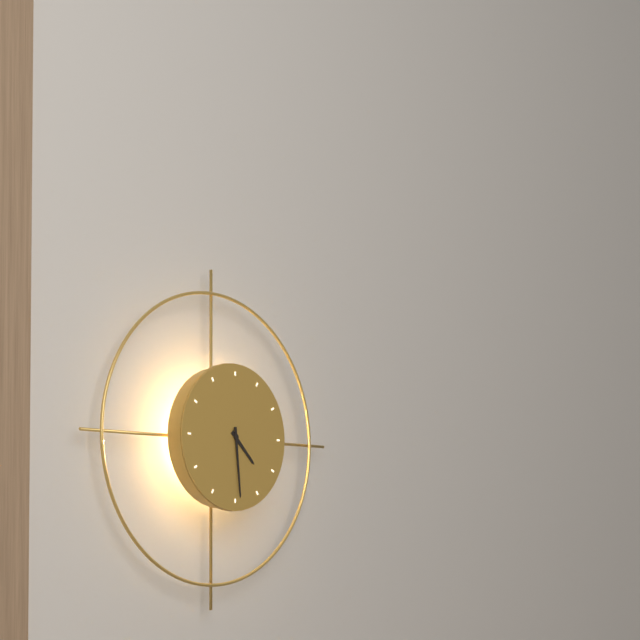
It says 4:29
